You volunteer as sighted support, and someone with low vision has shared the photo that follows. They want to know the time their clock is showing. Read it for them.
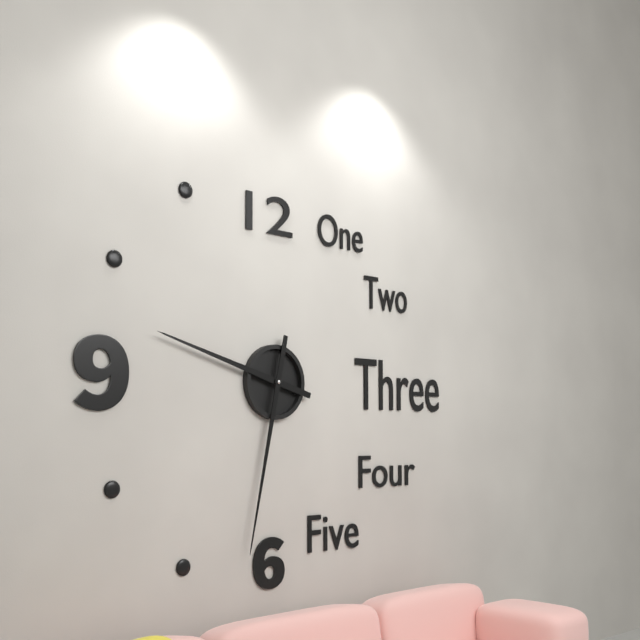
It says 9:32
